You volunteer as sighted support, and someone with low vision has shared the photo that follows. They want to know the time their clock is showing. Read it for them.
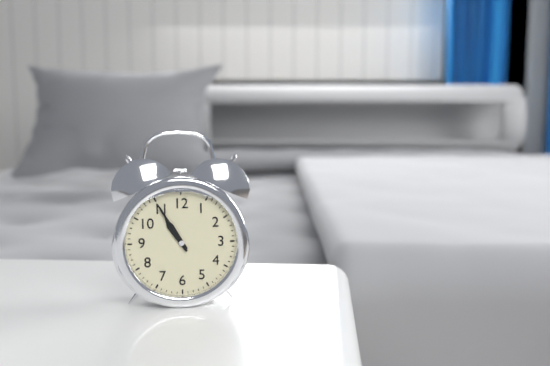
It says 10:55
